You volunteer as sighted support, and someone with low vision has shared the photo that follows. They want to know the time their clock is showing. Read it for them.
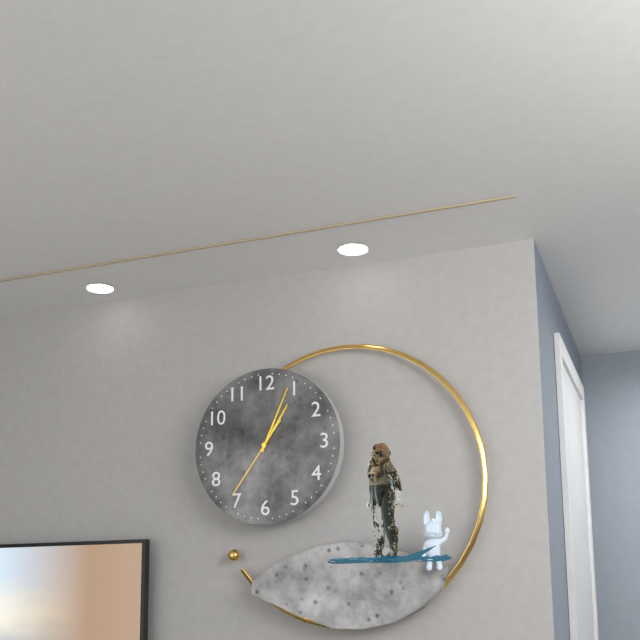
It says 1:04:36
